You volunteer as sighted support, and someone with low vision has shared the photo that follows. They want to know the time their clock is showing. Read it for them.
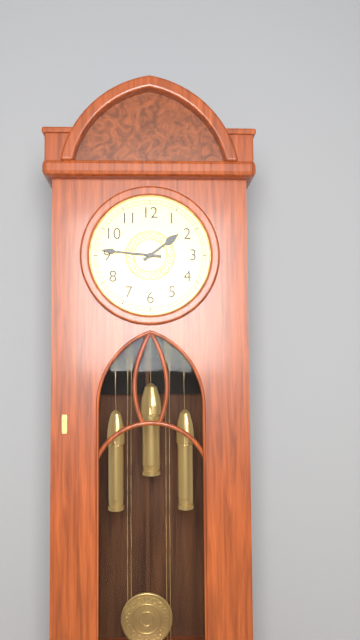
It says 1:46
